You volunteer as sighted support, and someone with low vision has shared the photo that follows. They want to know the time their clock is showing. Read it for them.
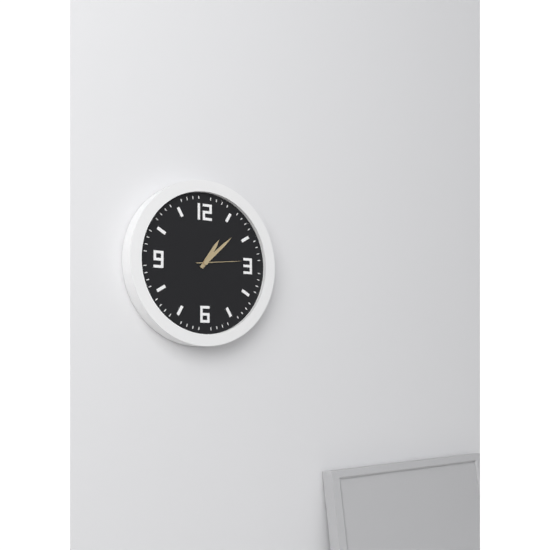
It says 1:08
